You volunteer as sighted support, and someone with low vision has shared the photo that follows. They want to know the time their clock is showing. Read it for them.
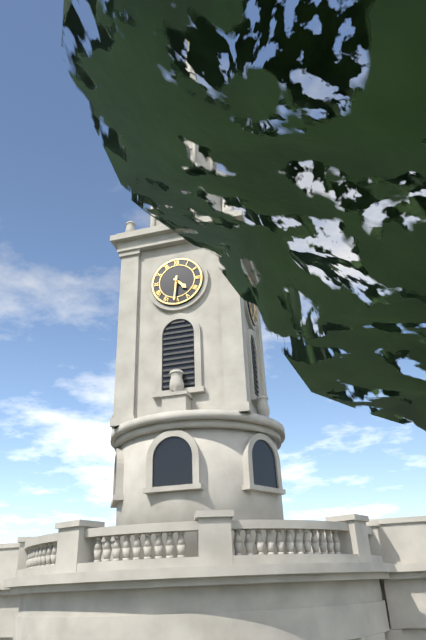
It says 4:31
